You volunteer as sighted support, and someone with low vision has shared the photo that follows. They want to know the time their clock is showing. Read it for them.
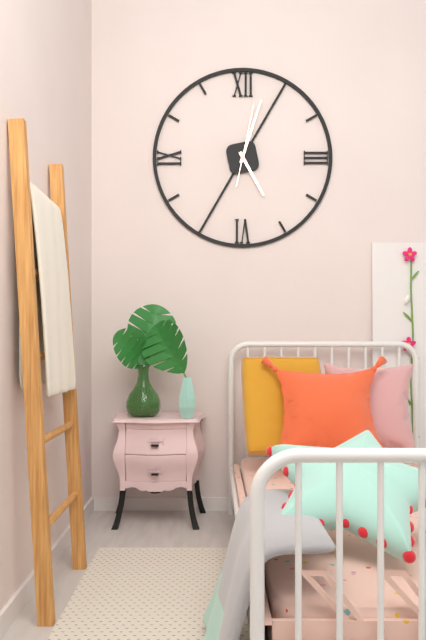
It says 5:03:02
